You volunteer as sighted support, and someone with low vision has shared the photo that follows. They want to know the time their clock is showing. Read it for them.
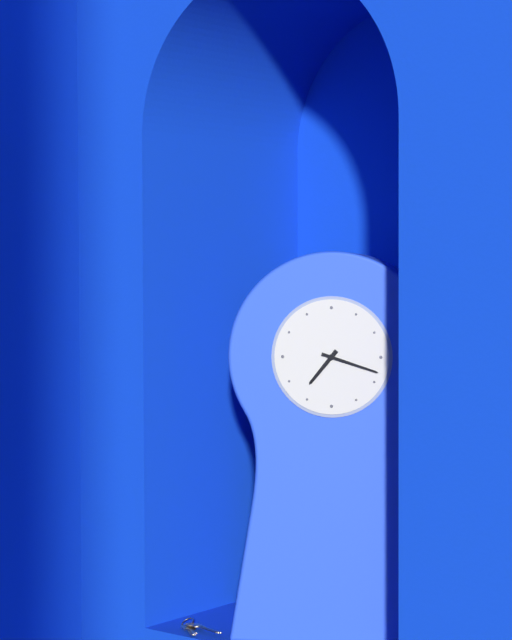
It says 7:18
